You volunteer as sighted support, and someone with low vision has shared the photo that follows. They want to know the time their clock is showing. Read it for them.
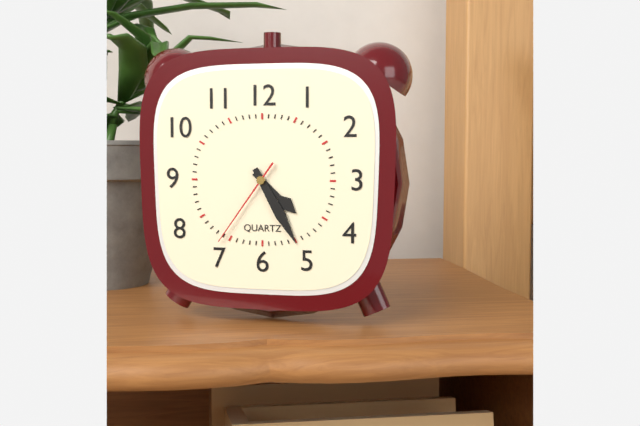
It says 4:25:36
